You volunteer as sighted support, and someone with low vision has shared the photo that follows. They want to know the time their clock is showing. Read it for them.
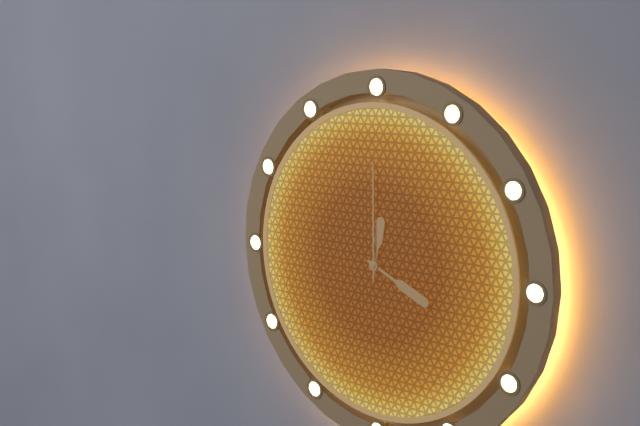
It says 12:19:00
